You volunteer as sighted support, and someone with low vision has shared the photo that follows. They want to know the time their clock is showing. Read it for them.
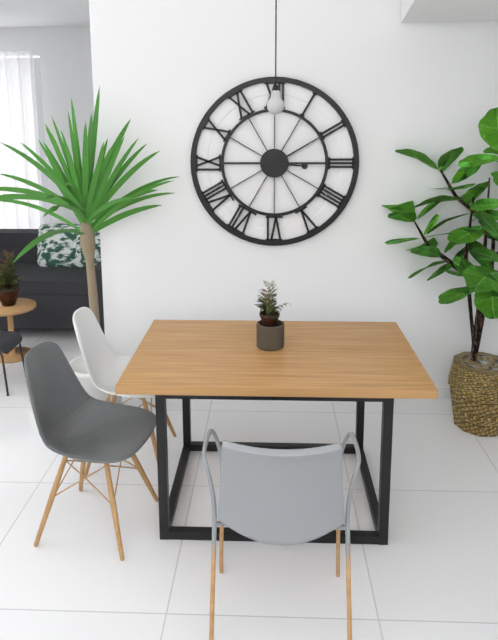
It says 3:10
